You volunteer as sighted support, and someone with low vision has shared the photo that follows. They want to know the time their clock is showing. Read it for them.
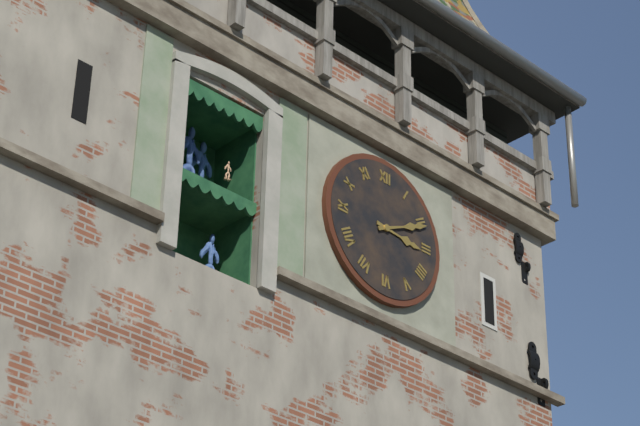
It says 3:11
